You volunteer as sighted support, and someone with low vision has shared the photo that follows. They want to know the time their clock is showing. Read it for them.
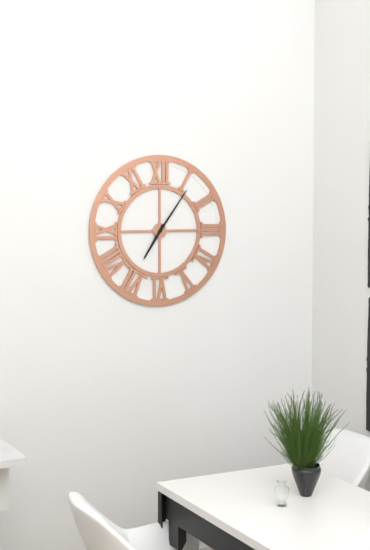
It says 7:06
